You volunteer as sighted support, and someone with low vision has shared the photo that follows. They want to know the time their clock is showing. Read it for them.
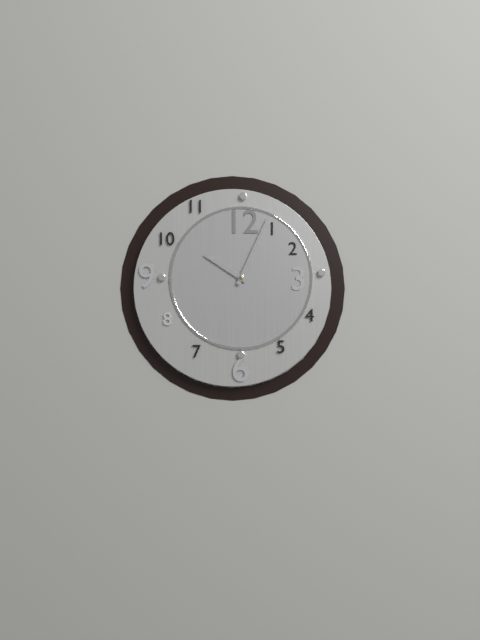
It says 10:04
